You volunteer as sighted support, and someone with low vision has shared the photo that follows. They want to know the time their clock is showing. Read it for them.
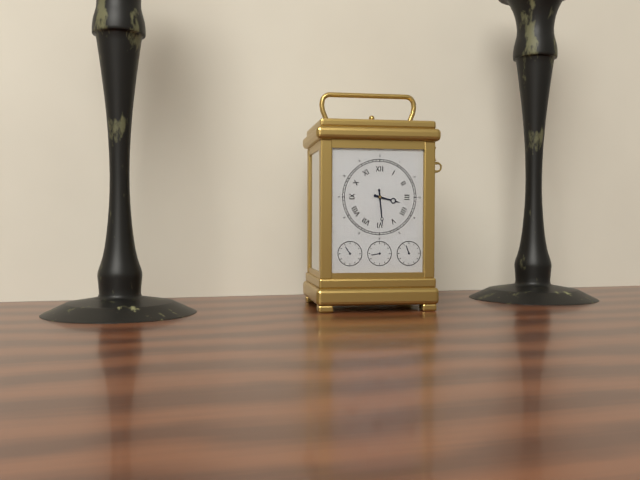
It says 3:29
